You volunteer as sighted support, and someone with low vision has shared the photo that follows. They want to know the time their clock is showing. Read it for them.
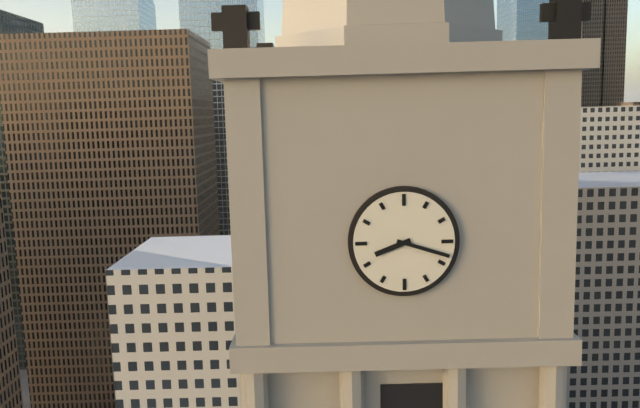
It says 8:18
